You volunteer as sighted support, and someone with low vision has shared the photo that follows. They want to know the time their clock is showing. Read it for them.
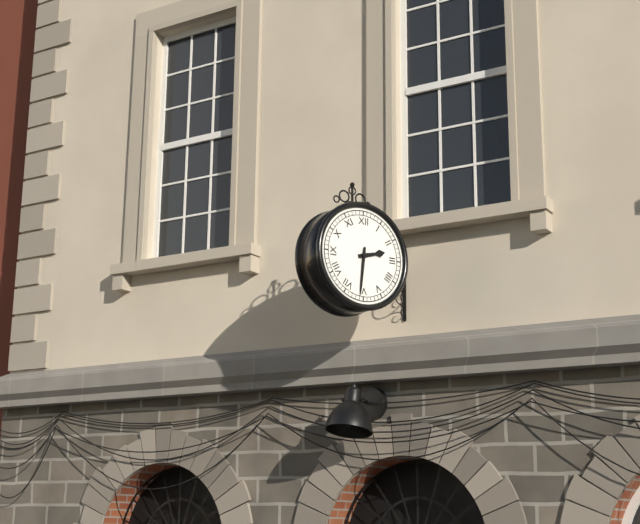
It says 2:31
